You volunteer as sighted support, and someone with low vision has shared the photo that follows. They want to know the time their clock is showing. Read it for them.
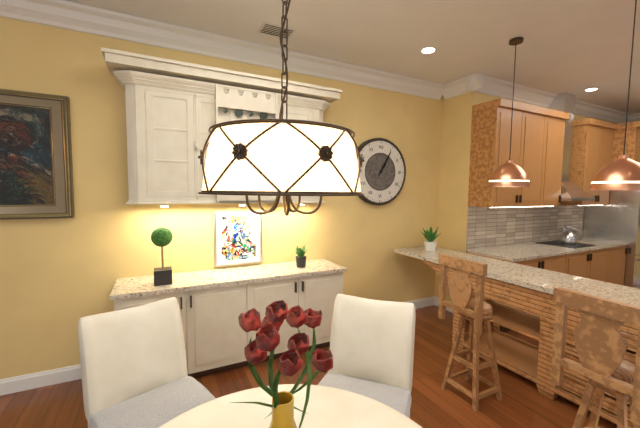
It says 1:05
